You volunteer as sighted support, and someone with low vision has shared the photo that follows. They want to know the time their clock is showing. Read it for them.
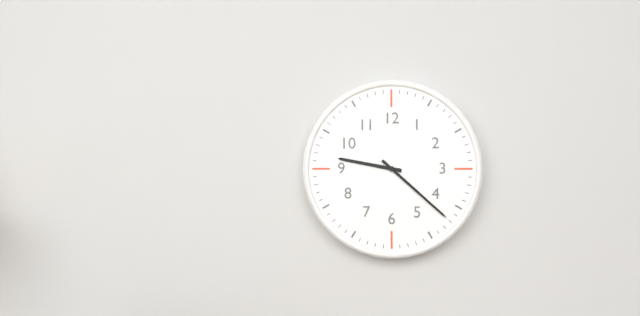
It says 9:22
